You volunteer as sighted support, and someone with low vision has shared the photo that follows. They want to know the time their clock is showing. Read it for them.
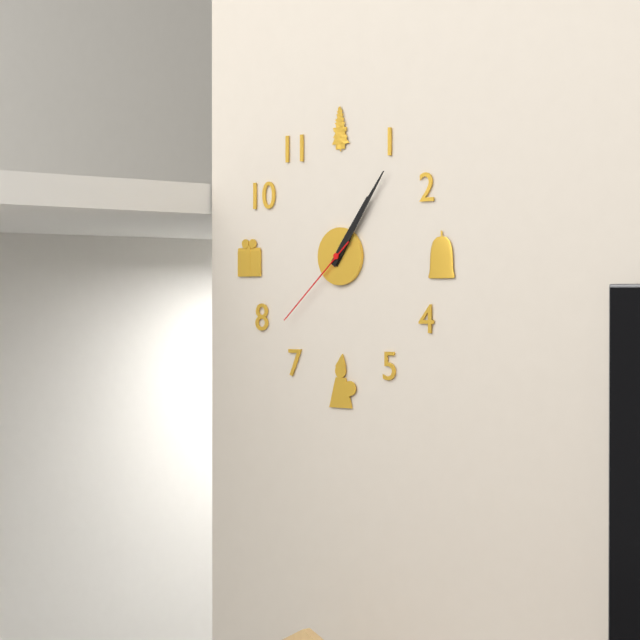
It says 1:06:38
